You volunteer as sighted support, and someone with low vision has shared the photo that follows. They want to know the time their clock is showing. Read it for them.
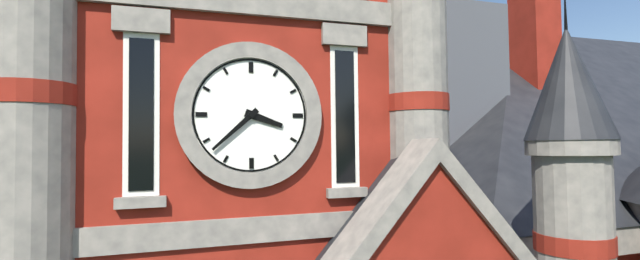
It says 3:38
